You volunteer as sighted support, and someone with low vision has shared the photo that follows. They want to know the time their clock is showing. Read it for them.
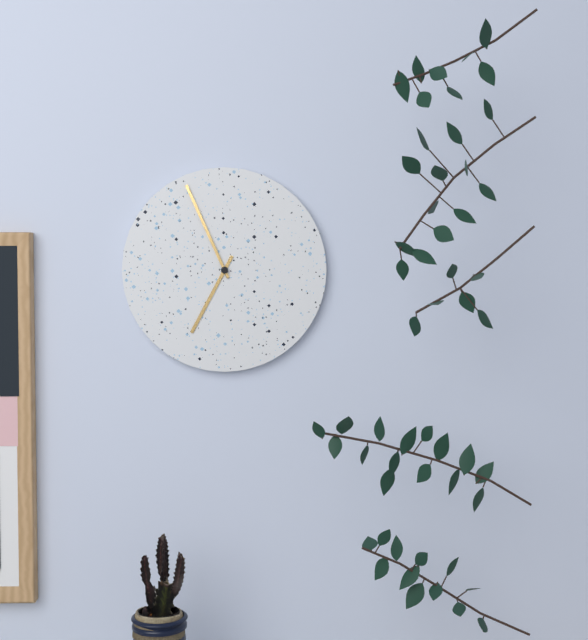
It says 6:56
